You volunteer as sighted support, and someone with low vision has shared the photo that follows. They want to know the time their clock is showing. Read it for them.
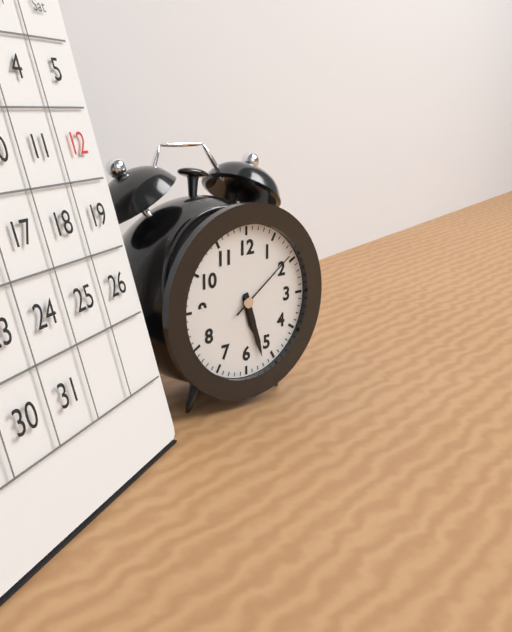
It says 5:27:09
